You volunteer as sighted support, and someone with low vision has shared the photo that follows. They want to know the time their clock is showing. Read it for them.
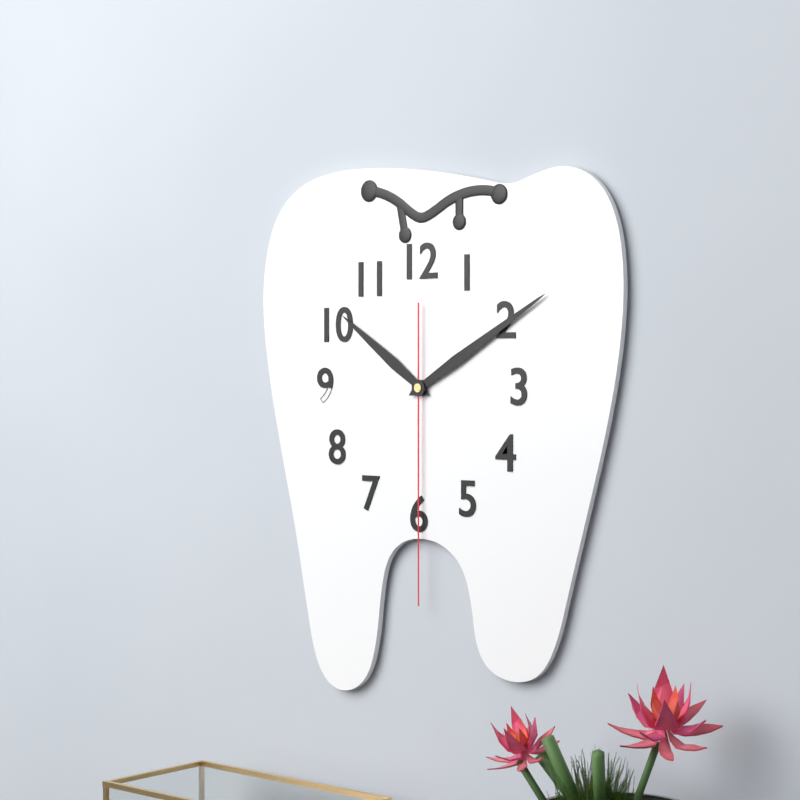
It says 10:10:30
